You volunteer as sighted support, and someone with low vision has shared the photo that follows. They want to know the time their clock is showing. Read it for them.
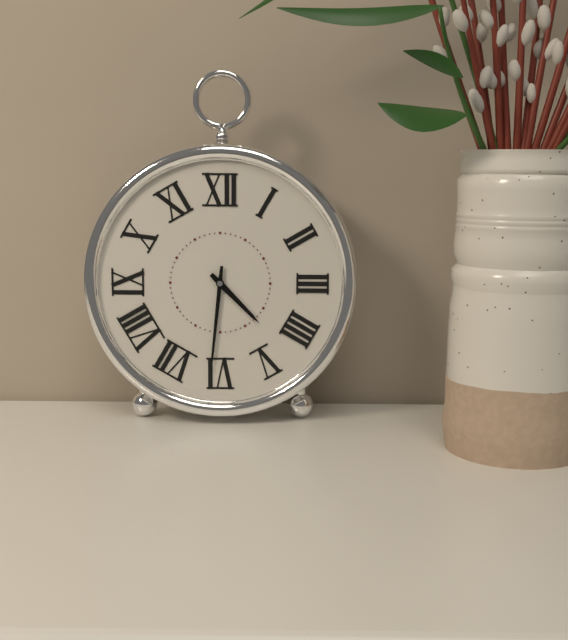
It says 4:31
